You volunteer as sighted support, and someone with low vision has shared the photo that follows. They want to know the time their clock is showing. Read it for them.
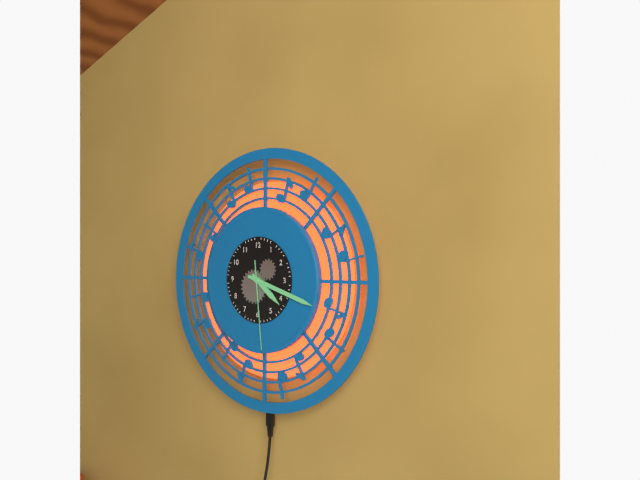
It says 4:18:29
